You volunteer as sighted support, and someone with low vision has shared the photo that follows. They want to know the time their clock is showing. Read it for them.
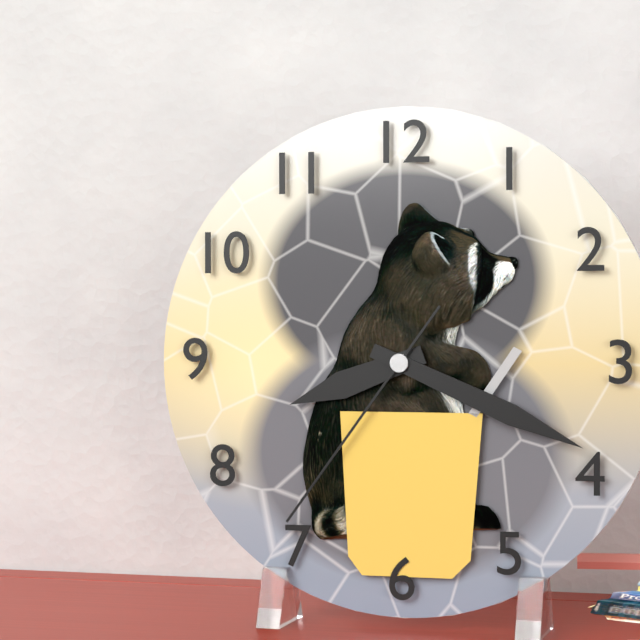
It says 8:19:36
